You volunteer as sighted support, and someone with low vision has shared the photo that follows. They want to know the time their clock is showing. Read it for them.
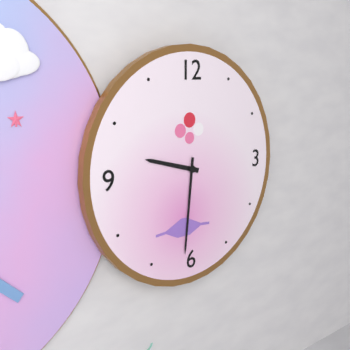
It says 9:31
